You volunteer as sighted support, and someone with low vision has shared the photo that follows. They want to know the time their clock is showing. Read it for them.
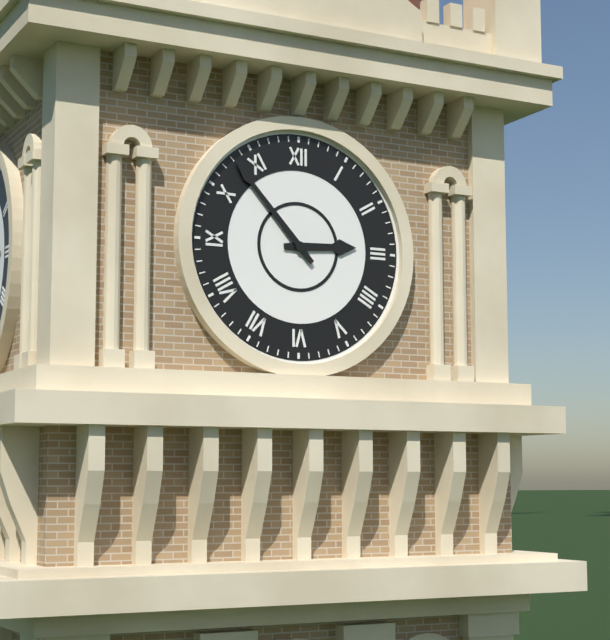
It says 2:53
